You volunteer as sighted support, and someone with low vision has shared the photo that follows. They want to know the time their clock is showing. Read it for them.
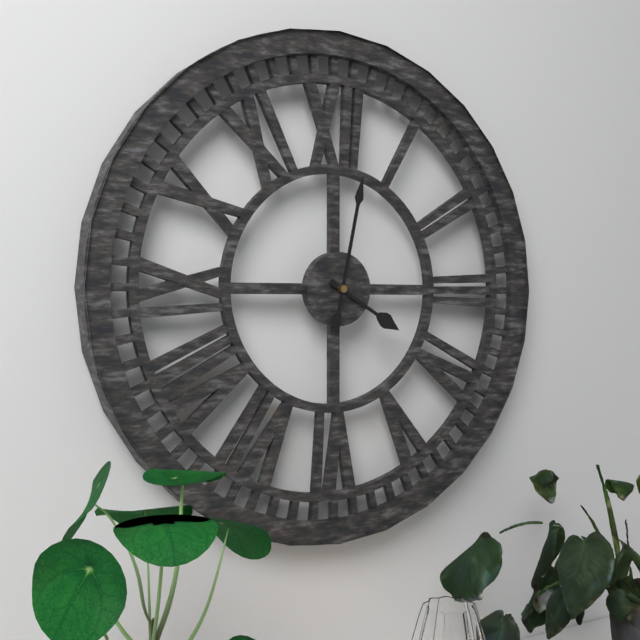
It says 4:02
